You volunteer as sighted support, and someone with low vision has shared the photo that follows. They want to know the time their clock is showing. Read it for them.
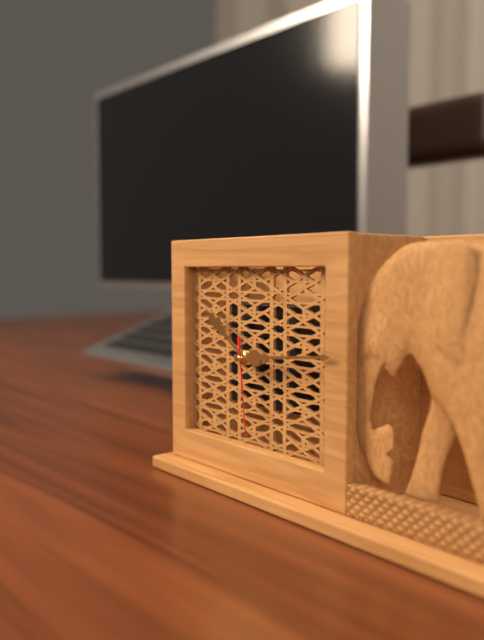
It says 10:14:29
